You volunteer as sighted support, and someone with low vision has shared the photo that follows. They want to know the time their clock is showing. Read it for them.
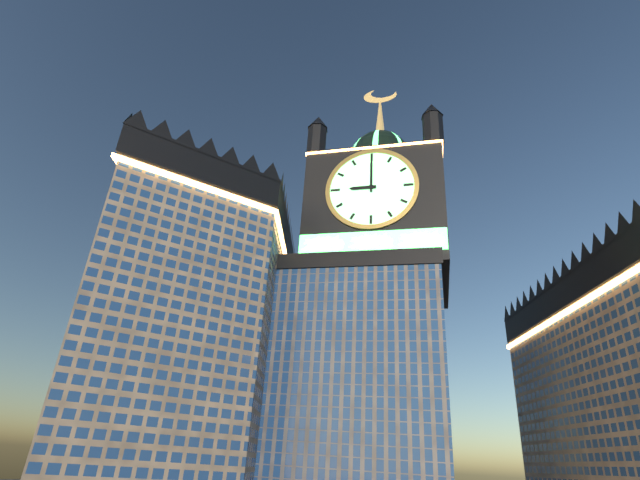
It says 9:00
